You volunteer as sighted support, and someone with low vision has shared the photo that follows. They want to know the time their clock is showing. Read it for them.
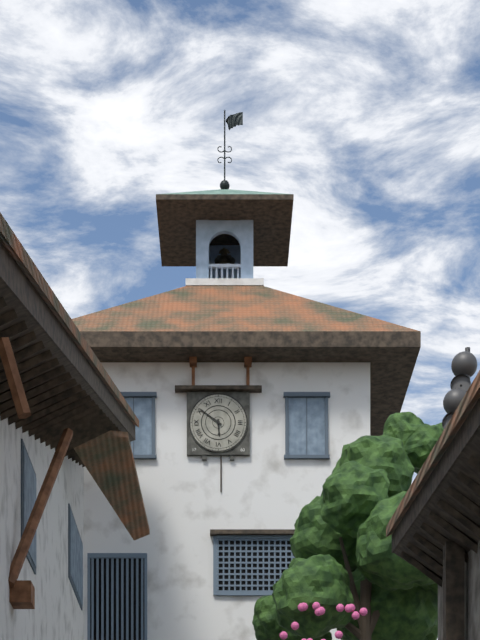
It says 5:51
